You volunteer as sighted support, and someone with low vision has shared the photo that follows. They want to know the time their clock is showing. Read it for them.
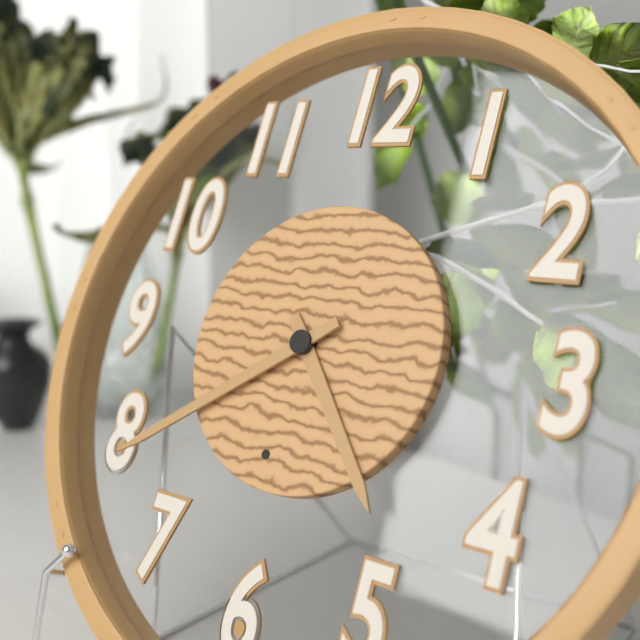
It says 4:39
